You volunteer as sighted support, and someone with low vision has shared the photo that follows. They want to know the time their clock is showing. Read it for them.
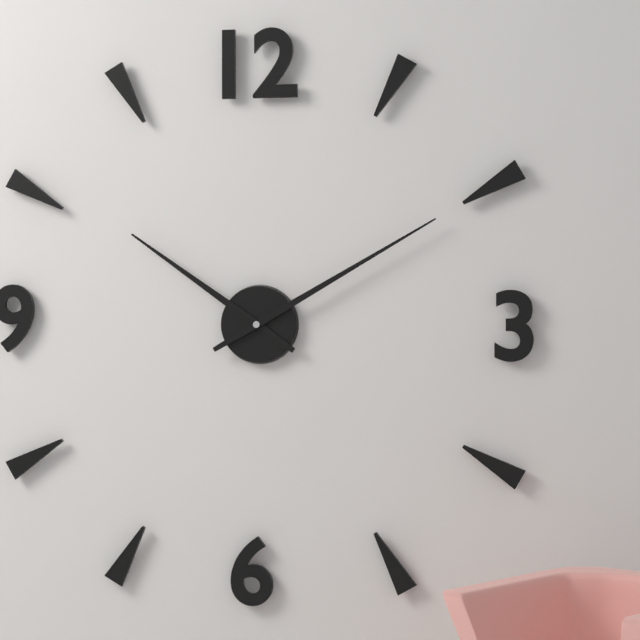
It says 10:10
